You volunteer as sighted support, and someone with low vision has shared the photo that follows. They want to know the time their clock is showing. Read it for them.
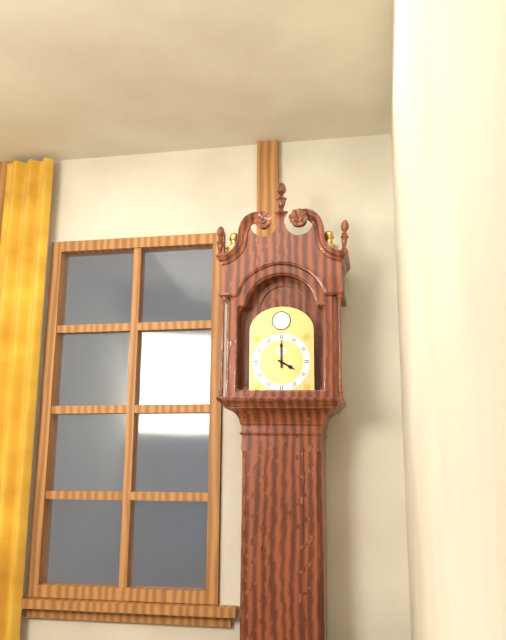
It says 4:00
